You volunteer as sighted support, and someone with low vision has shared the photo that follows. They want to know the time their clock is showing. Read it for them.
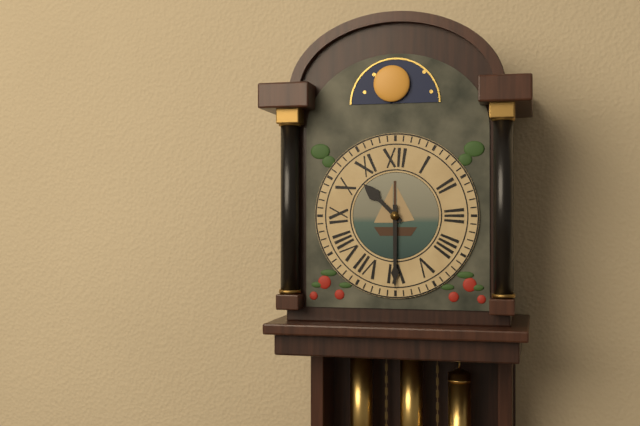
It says 10:30
